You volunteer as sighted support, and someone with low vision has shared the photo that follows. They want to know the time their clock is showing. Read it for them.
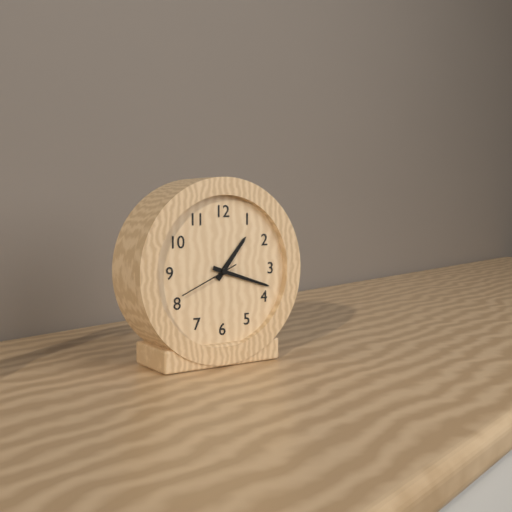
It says 1:18:41
